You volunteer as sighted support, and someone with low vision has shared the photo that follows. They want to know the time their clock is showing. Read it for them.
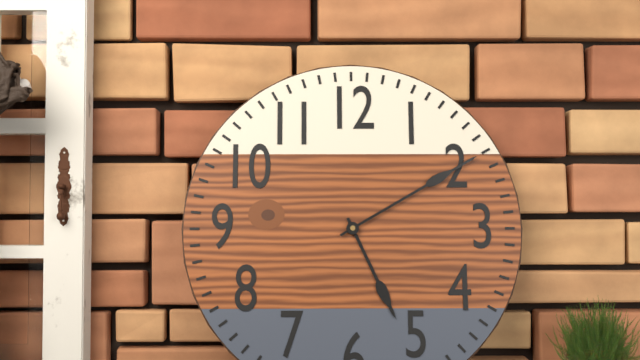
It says 5:10
